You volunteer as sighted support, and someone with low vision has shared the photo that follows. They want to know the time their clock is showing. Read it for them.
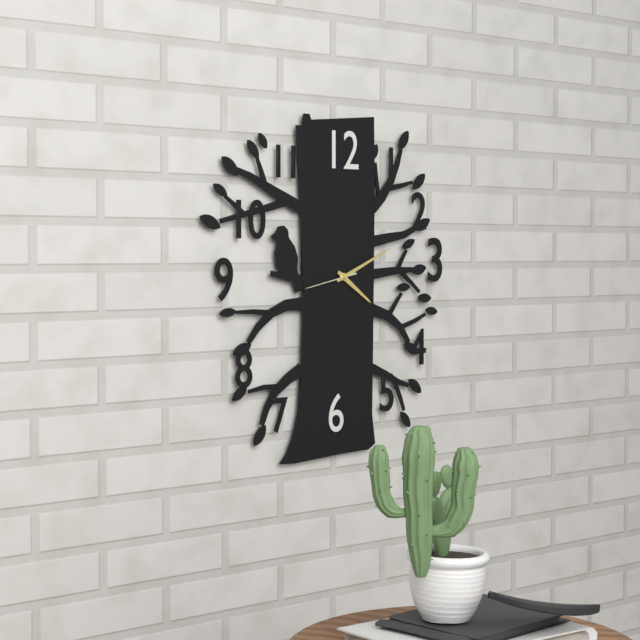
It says 4:11
